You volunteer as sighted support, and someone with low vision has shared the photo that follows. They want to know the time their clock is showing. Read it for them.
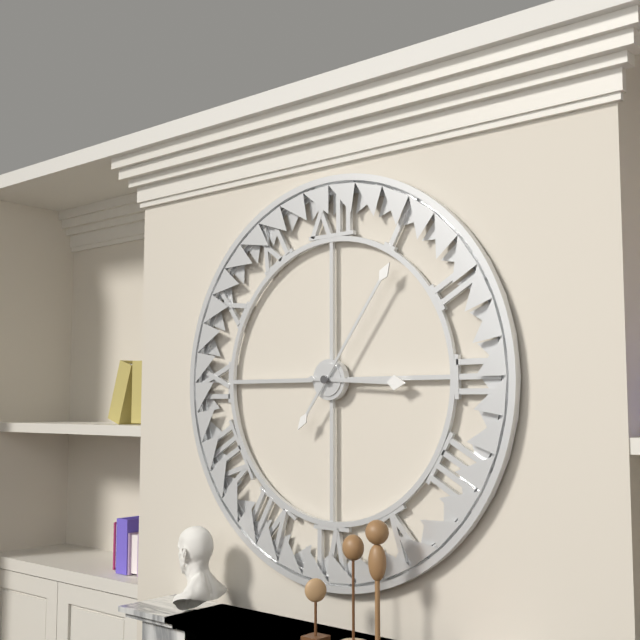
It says 3:06
